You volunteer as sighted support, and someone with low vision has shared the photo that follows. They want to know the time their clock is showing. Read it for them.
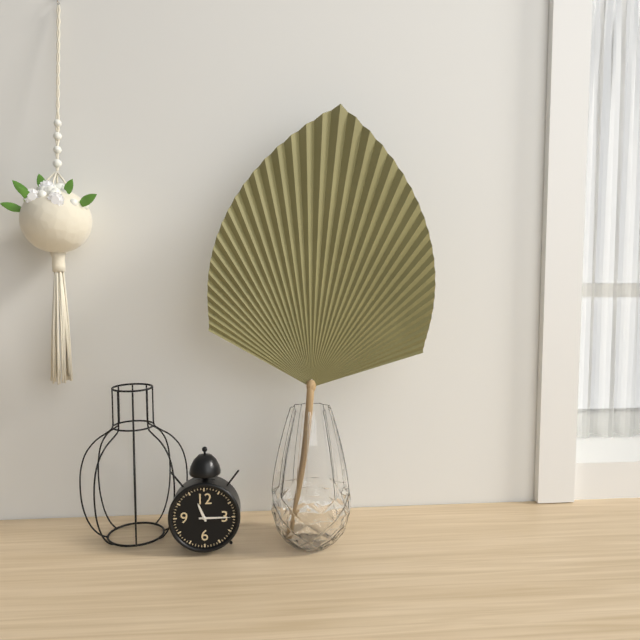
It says 11:15
